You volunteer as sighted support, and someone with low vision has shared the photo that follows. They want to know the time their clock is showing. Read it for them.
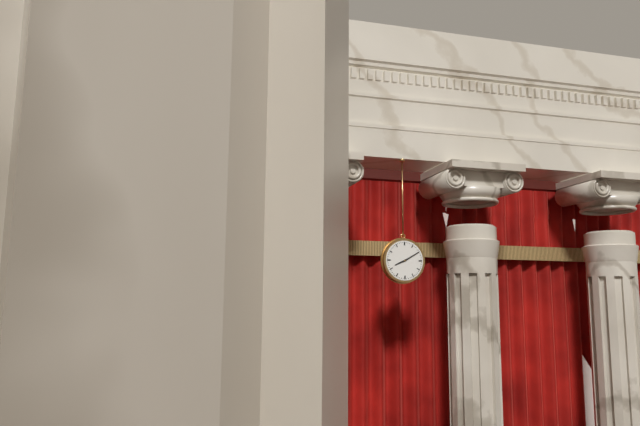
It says 8:10
